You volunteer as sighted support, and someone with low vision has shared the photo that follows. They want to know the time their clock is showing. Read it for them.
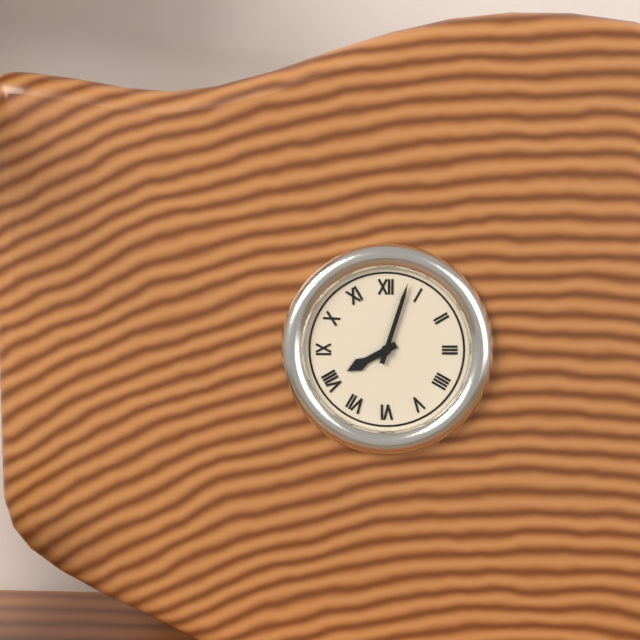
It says 8:03
